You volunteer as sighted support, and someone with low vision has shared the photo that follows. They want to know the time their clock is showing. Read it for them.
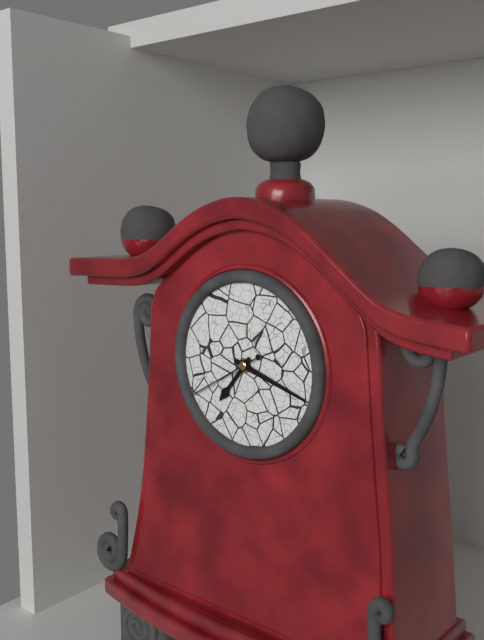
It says 7:18:40
